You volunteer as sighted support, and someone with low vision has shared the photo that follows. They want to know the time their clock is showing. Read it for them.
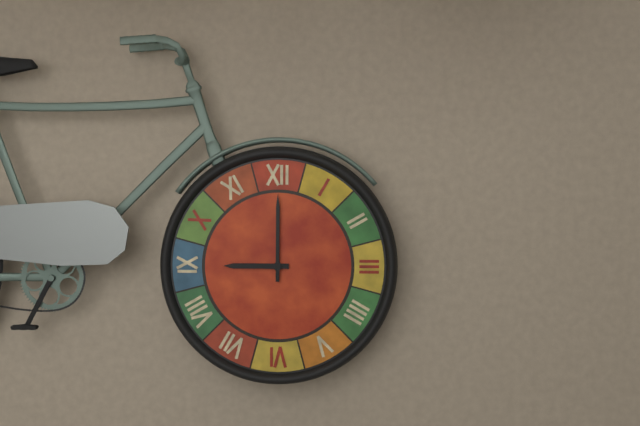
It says 9:00
